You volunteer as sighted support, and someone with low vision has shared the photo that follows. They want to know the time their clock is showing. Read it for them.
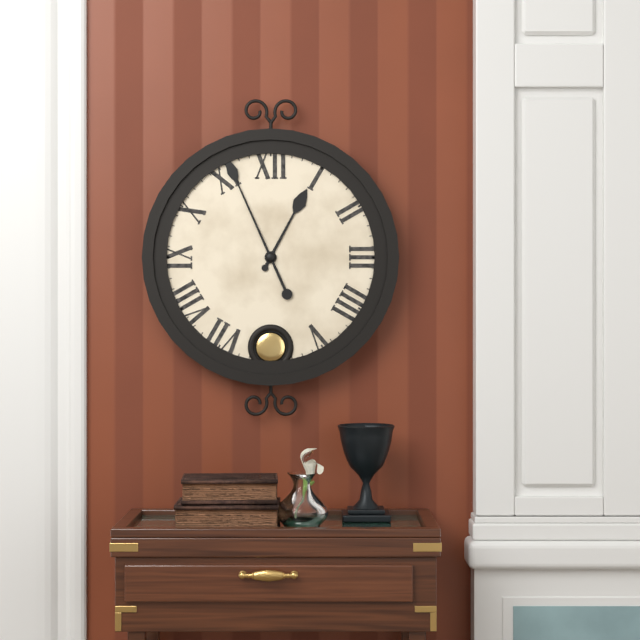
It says 12:56
